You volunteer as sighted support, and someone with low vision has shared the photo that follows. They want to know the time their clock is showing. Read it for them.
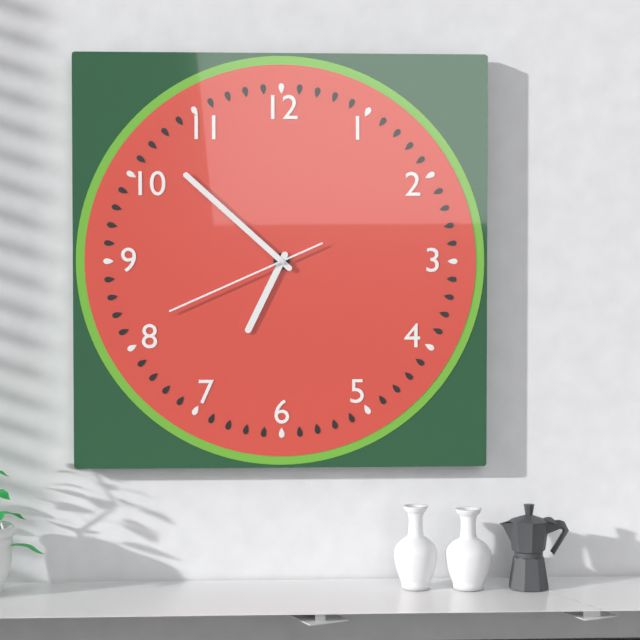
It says 6:52:41
